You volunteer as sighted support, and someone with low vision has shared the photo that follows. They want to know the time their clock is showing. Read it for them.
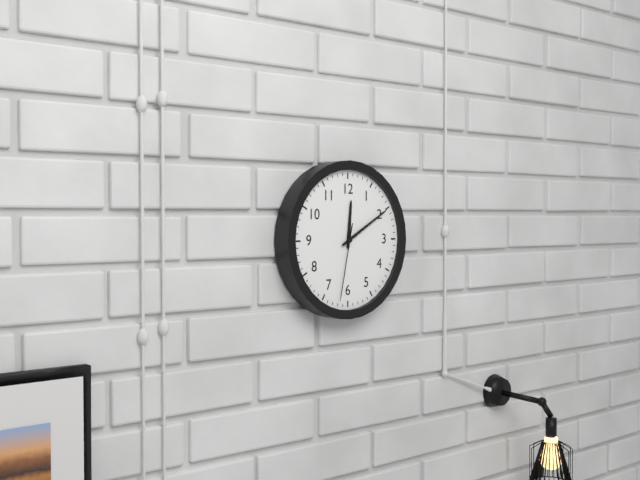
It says 12:10:32
